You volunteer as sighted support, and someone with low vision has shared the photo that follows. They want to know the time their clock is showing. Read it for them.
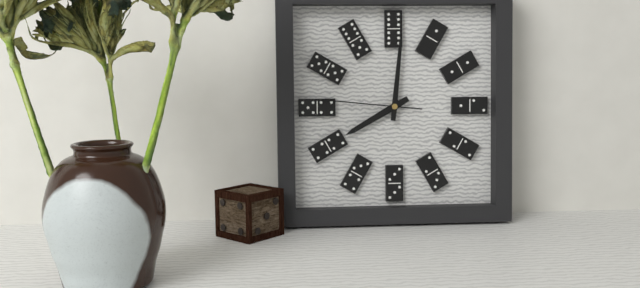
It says 8:01:46
